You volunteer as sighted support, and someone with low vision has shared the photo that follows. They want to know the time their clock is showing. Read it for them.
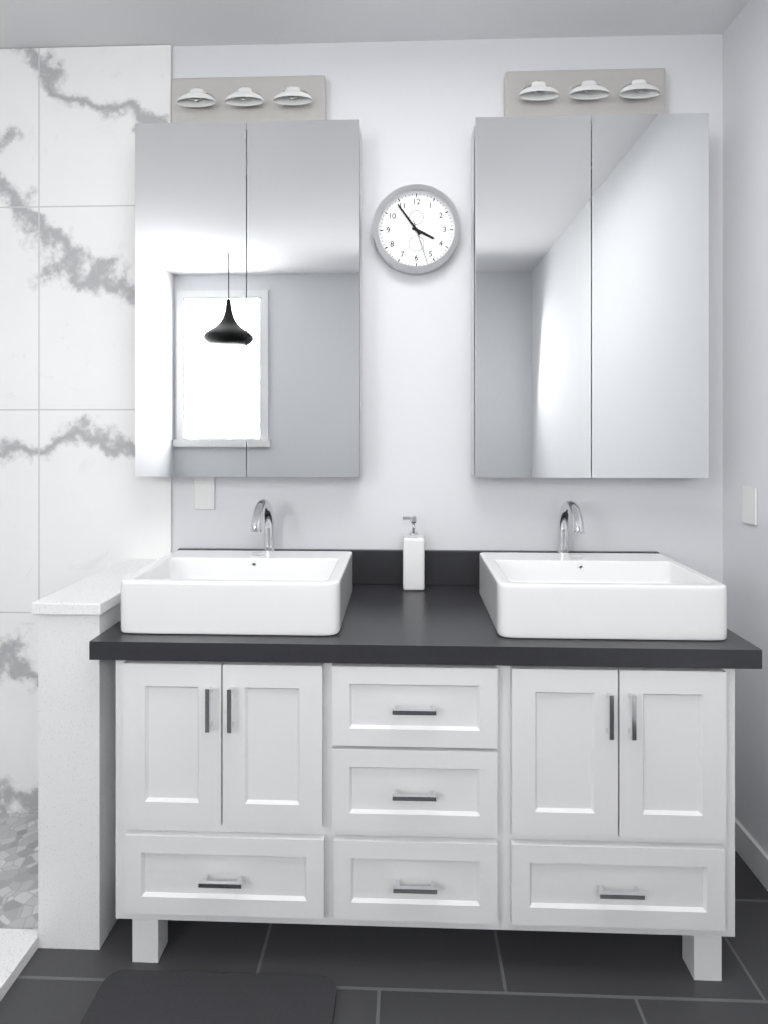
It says 3:54
